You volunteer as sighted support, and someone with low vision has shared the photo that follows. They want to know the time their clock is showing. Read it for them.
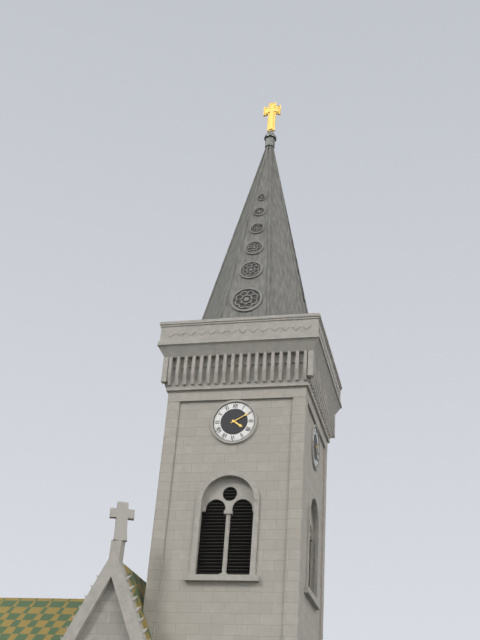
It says 4:10
